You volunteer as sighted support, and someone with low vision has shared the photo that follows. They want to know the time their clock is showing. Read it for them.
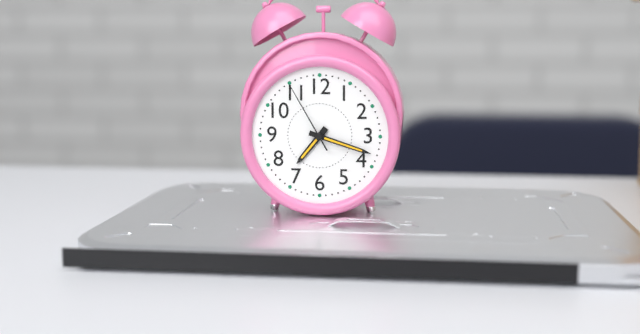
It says 7:18:55
